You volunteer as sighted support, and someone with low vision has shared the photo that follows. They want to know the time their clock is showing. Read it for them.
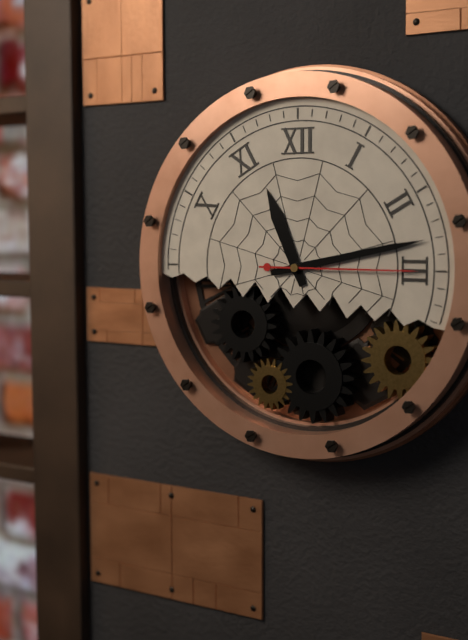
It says 11:13:15
